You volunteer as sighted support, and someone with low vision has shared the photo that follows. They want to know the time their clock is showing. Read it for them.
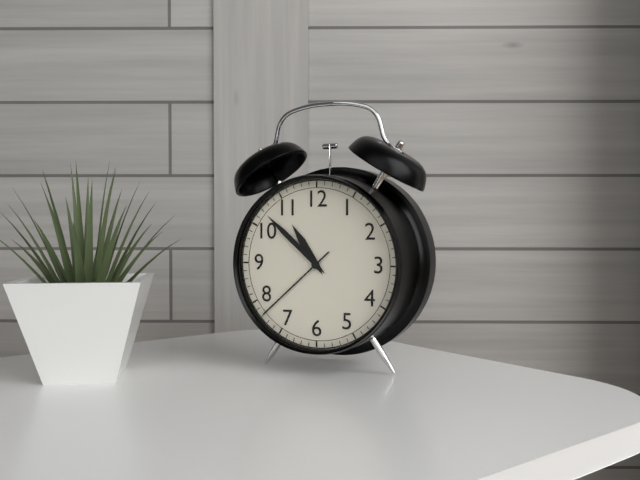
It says 10:52:38
